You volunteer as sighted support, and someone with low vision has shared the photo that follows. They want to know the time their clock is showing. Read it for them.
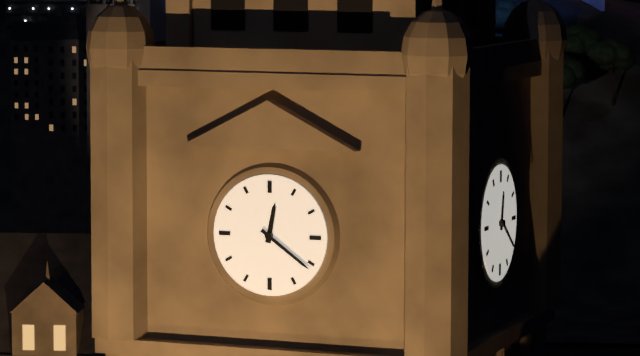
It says 12:21
